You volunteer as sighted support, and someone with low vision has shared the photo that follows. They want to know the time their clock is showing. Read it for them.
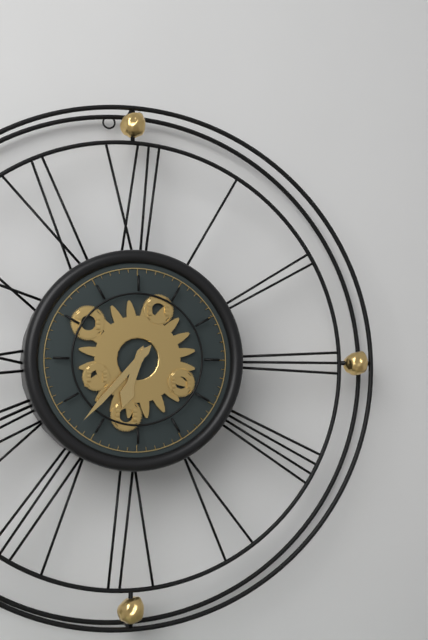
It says 6:37
